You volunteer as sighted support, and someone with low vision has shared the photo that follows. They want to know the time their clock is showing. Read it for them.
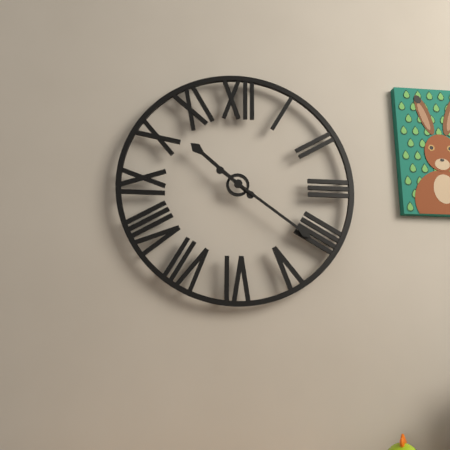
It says 10:21
